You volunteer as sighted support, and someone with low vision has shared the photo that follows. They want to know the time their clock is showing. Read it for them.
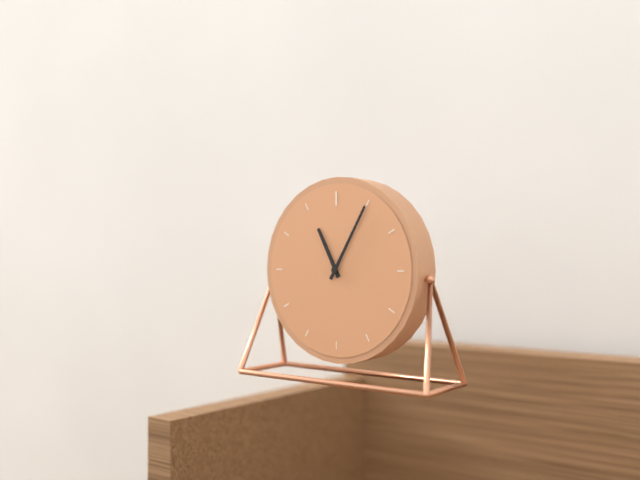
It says 11:05
